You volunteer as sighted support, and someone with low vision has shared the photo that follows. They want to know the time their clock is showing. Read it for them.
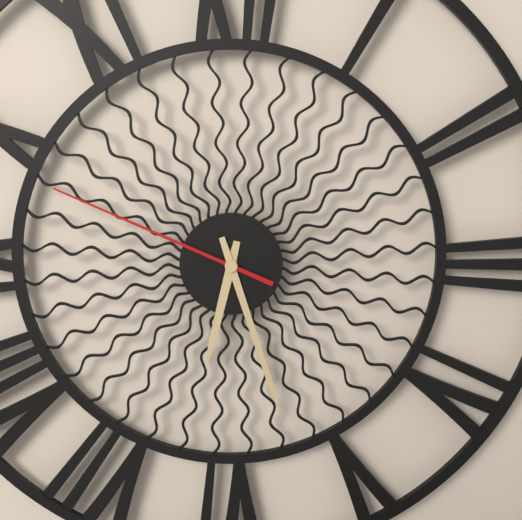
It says 6:27:49
